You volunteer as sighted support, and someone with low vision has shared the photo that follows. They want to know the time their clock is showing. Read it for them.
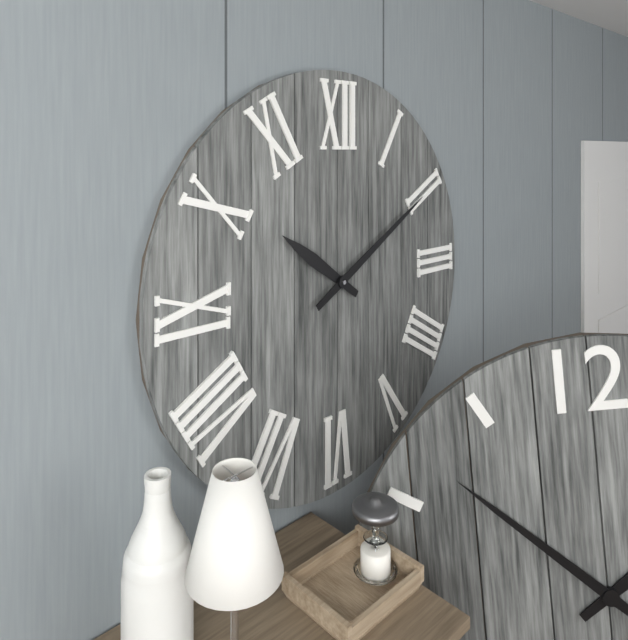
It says 10:10
